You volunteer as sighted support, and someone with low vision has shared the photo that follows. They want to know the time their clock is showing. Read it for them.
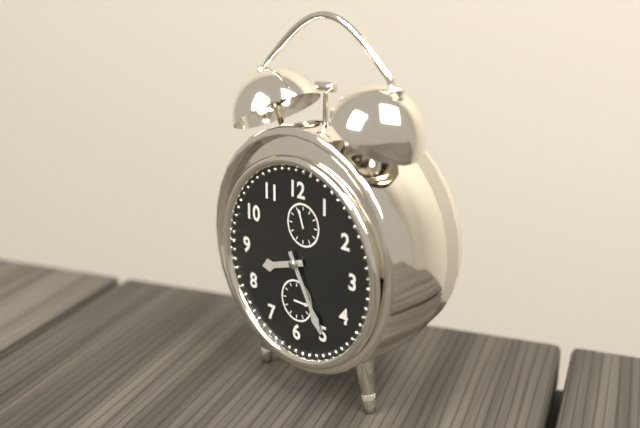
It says 8:25
